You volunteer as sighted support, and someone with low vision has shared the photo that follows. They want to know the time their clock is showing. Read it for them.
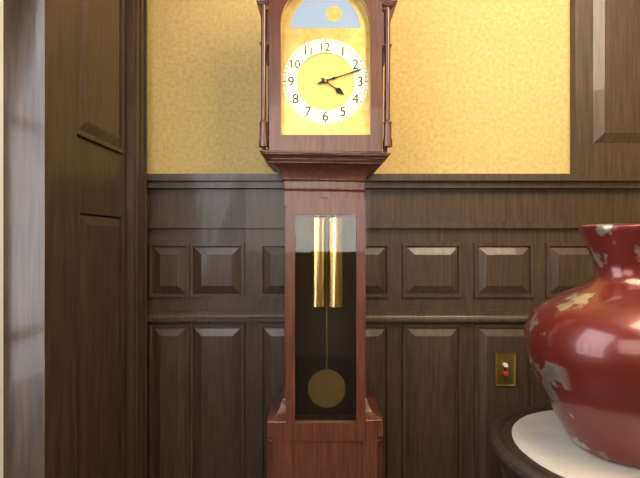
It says 4:12
